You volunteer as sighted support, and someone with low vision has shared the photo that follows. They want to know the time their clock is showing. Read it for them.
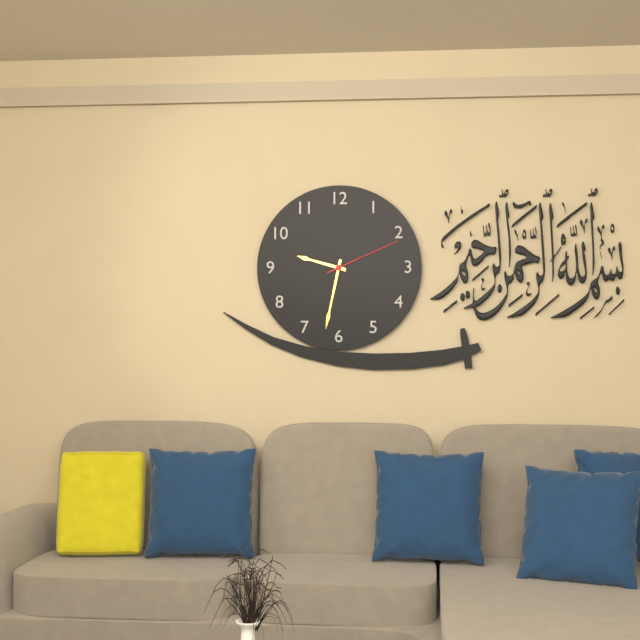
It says 9:32:11
